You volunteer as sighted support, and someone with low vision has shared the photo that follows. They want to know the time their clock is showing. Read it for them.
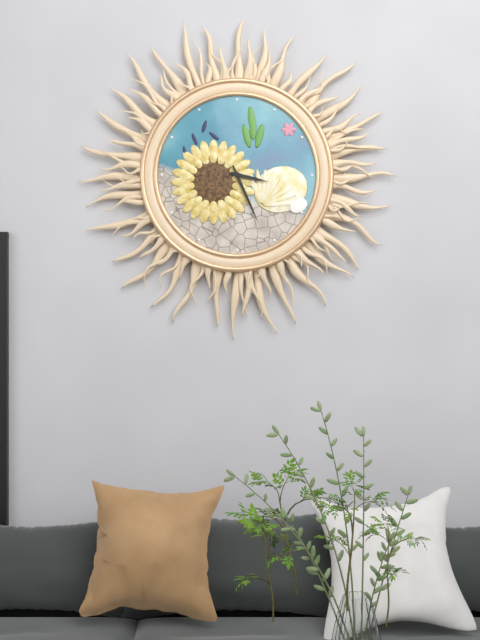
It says 3:26
